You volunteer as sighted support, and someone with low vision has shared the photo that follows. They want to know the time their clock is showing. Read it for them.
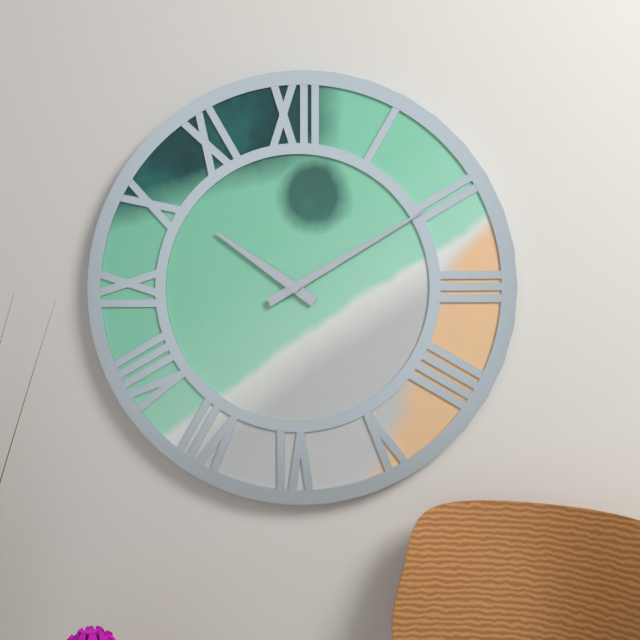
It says 10:10
